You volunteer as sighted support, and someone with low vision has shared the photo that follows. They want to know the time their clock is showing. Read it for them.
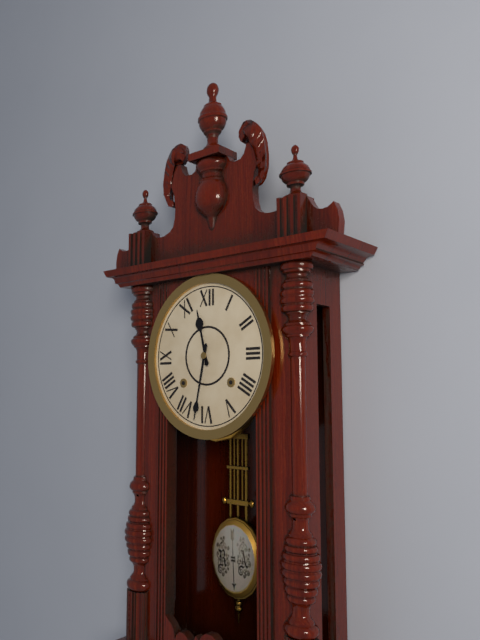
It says 11:32
